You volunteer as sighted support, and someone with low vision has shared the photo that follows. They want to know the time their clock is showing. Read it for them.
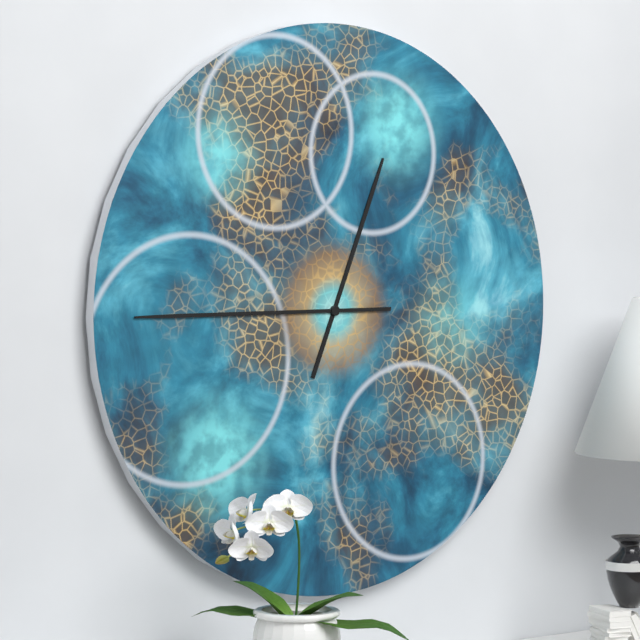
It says 12:45
